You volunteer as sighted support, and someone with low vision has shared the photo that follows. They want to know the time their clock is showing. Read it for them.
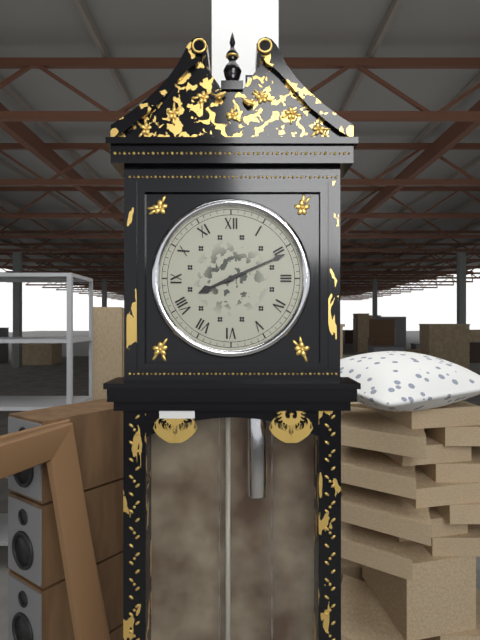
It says 8:11
